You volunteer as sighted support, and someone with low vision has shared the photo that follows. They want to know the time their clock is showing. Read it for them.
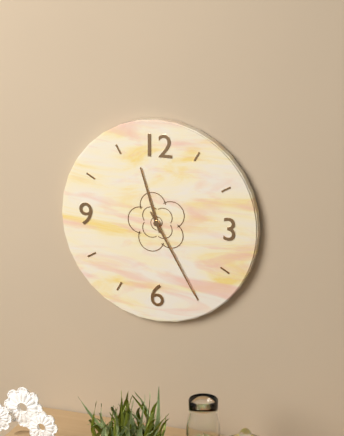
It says 11:25
